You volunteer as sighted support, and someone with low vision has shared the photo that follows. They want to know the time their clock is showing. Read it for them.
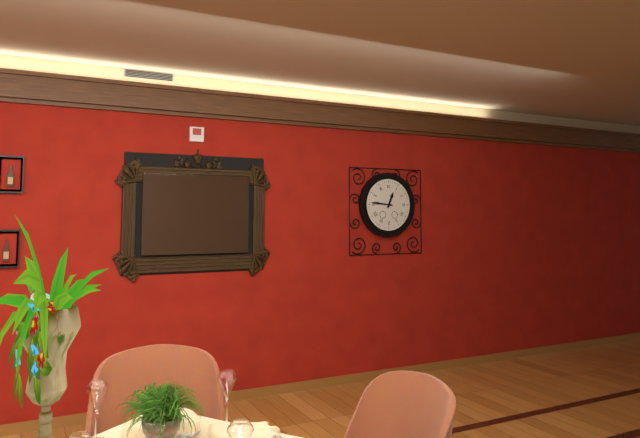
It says 12:46
